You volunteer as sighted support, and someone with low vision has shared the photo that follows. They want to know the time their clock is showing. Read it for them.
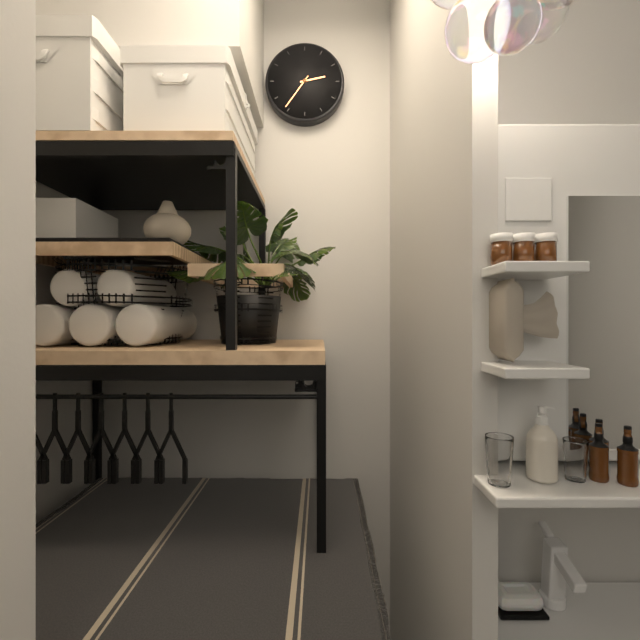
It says 2:36
